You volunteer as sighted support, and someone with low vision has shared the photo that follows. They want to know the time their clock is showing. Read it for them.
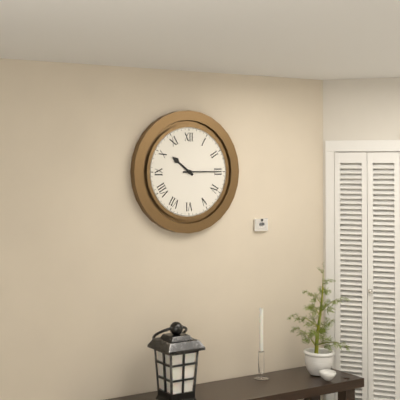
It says 10:15
